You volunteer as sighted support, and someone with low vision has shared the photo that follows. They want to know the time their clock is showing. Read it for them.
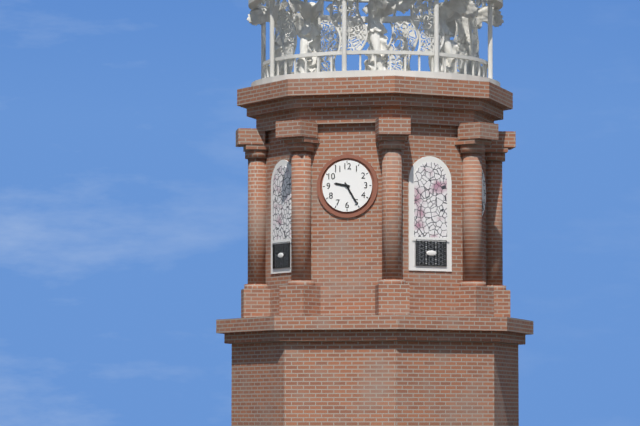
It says 9:25
